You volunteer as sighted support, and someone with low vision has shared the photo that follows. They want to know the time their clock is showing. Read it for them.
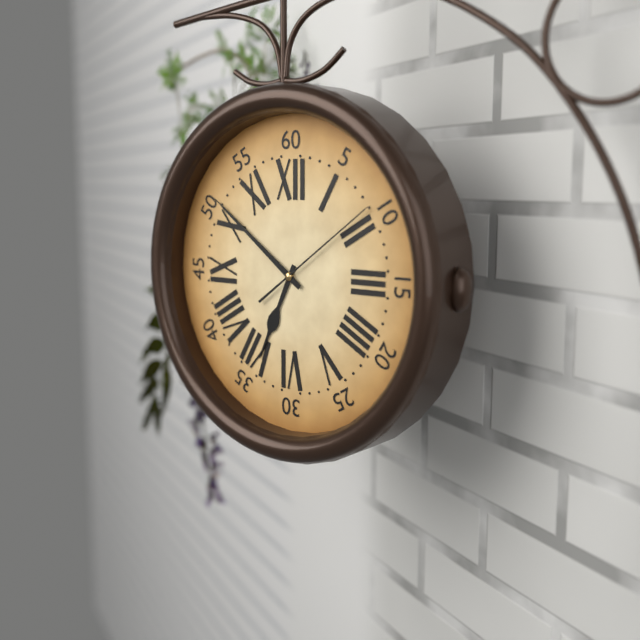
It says 6:51:09
